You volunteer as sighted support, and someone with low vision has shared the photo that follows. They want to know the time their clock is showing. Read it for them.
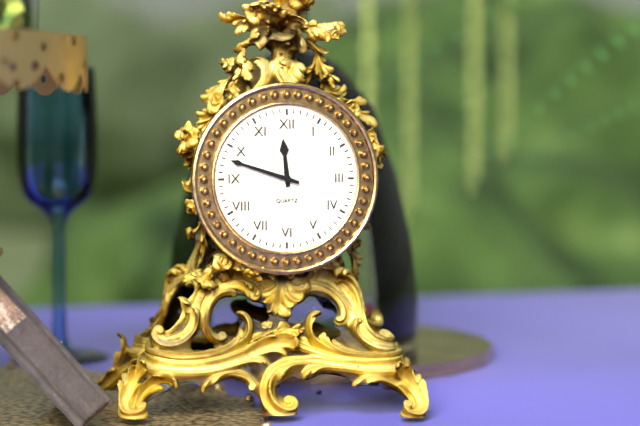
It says 11:48
